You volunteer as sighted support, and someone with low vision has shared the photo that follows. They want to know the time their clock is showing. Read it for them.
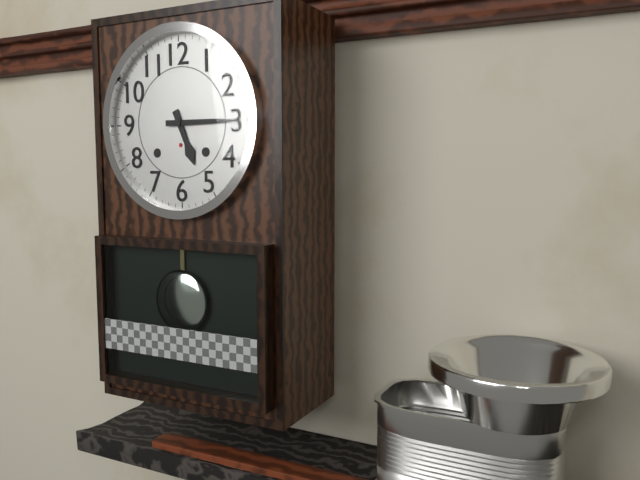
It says 5:15
